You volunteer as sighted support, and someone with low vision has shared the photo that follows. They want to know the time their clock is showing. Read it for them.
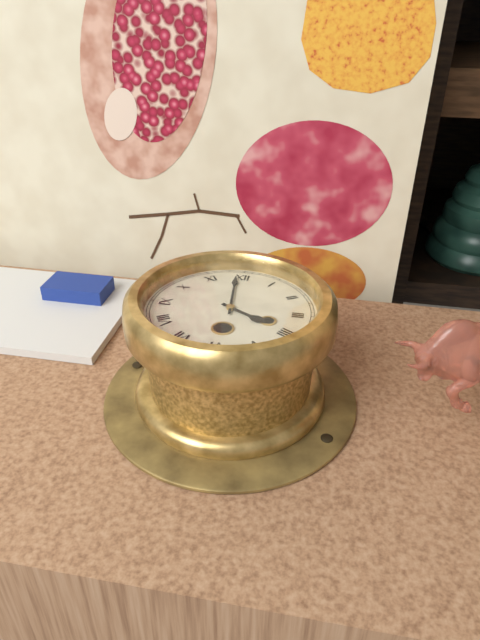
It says 3:59
